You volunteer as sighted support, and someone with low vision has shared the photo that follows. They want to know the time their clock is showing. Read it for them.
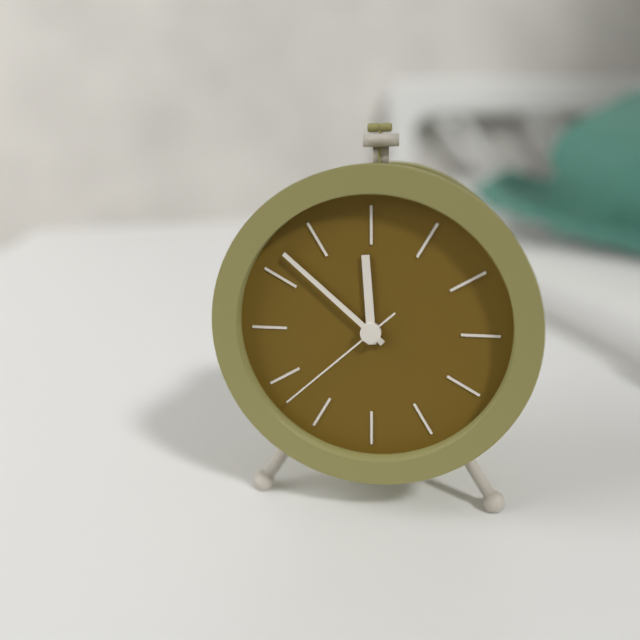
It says 11:52:38
